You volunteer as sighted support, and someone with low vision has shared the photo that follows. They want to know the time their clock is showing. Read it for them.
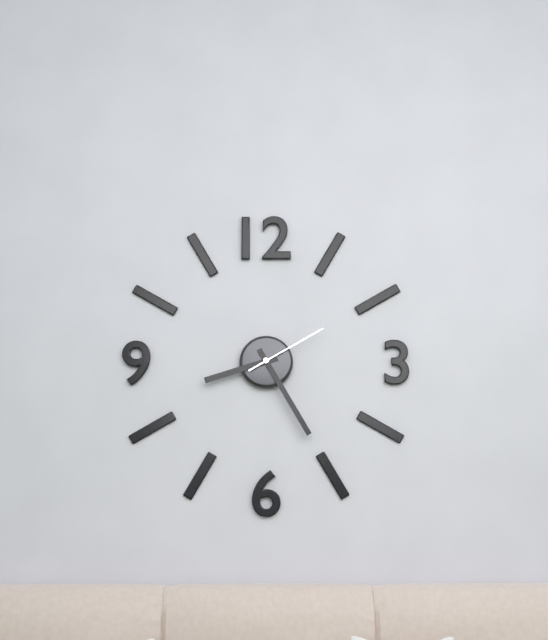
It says 8:25:10
